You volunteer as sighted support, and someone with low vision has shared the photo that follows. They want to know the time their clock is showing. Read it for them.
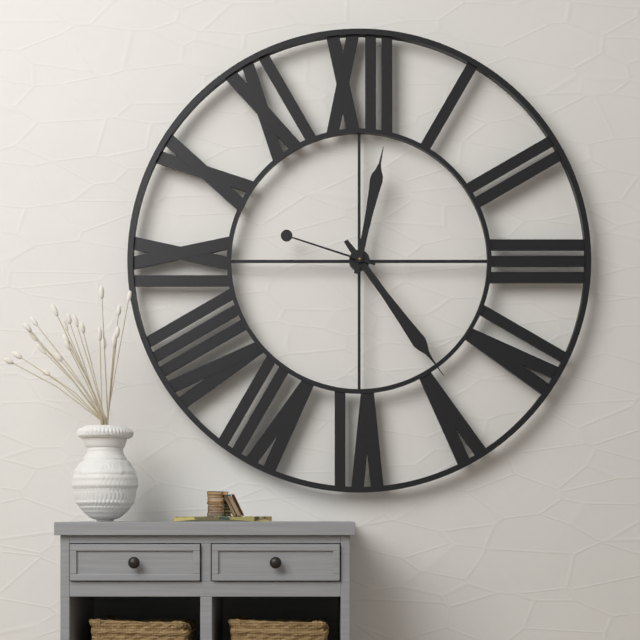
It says 12:24:48
